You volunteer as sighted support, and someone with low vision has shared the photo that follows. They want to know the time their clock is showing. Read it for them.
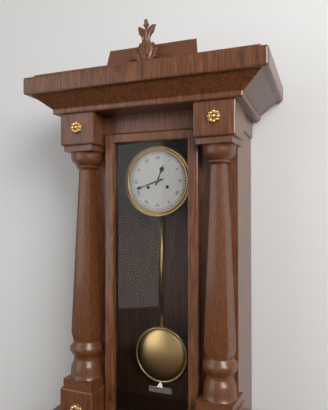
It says 12:42
